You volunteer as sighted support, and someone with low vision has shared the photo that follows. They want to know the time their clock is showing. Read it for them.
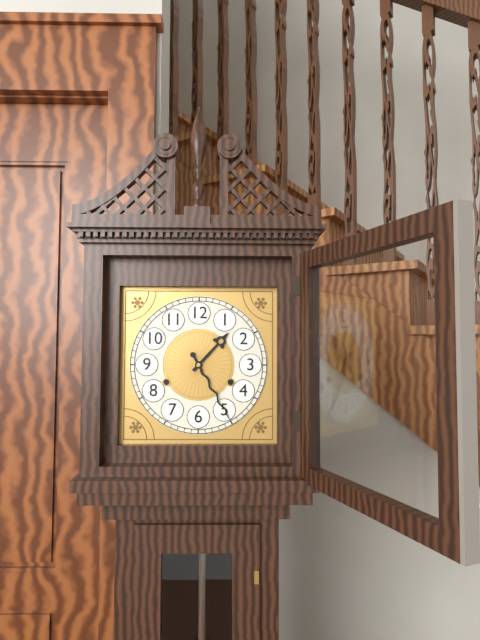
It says 1:25
